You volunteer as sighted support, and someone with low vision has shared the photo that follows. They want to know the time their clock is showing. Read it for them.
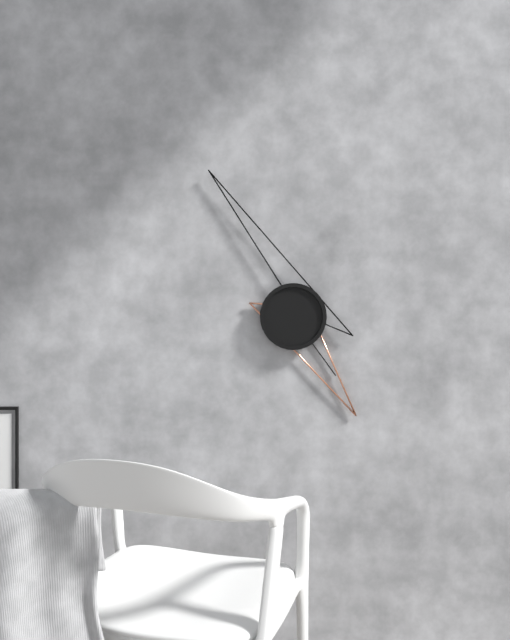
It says 4:55:24
